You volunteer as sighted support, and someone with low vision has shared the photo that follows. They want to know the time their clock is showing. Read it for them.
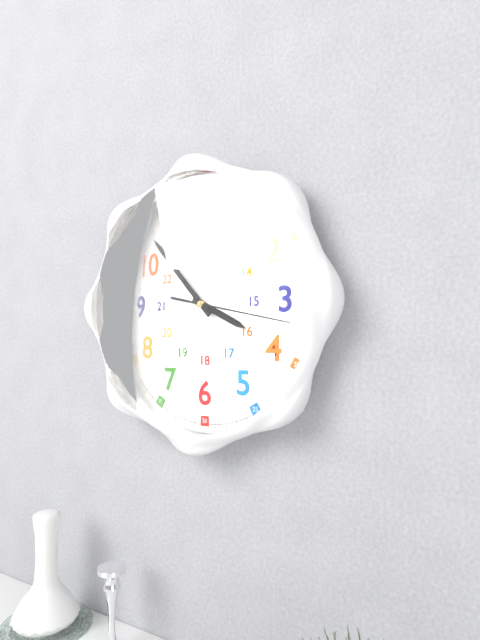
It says 3:53:17
